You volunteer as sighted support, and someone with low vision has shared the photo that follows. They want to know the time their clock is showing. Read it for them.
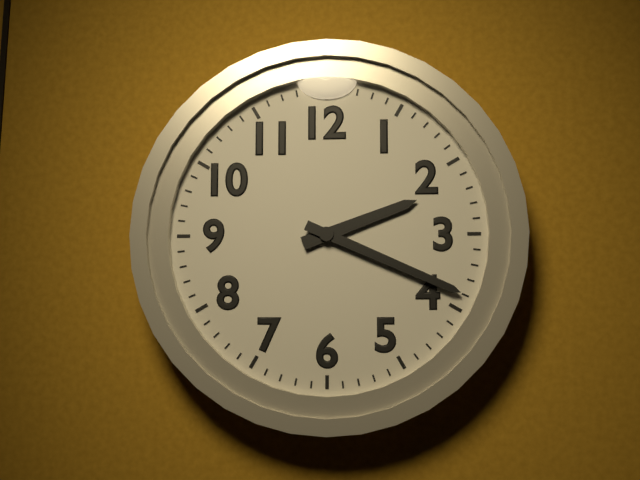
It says 2:19
